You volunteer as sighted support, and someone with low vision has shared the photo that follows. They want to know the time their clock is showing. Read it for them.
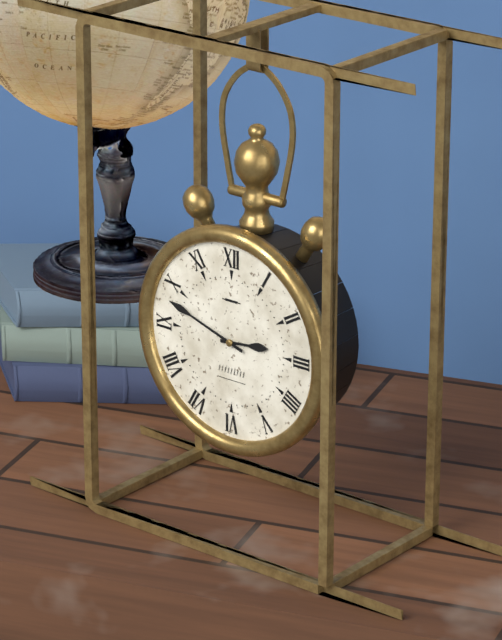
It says 2:48
